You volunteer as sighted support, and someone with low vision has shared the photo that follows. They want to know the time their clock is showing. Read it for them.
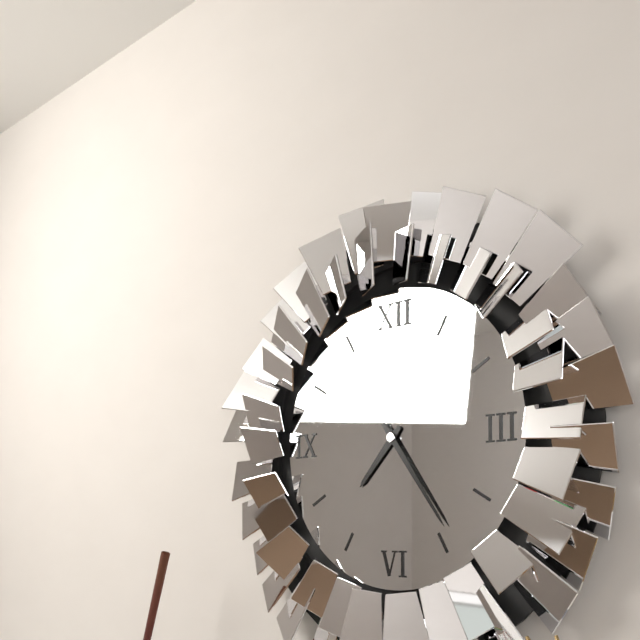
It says 7:24
